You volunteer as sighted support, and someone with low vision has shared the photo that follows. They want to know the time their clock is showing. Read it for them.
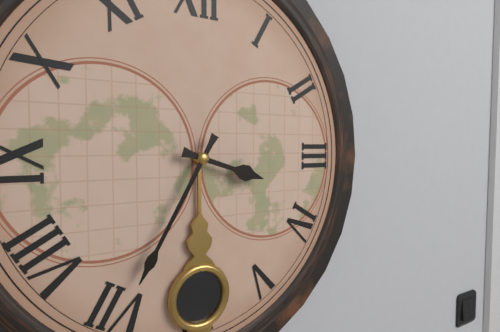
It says 3:35
